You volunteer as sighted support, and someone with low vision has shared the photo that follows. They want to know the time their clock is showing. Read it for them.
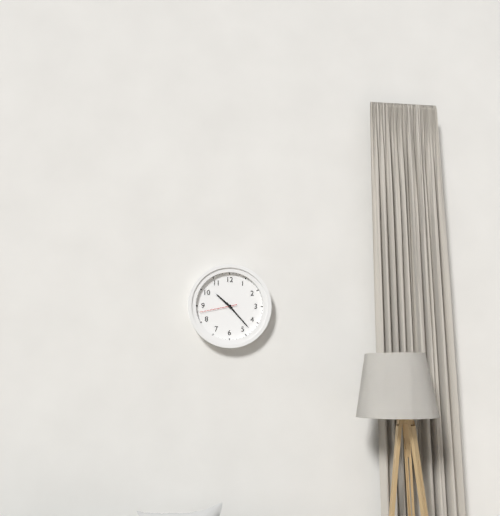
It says 10:23
